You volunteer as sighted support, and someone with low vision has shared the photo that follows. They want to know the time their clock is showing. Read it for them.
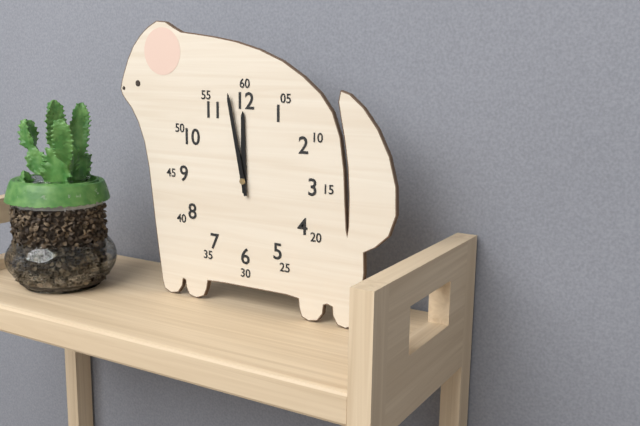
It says 11:58
